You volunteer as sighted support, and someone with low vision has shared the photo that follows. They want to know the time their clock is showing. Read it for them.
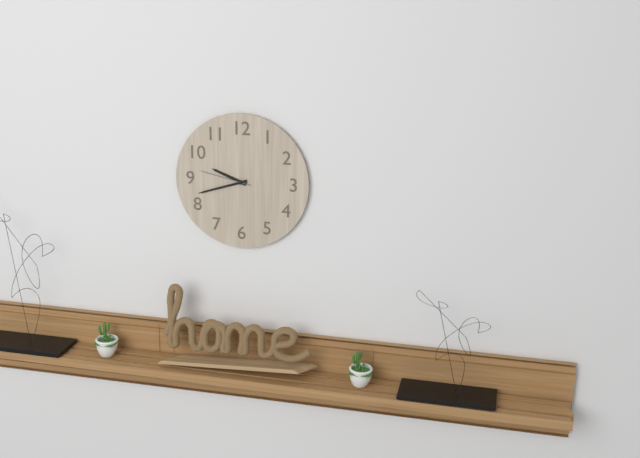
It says 9:42:47
